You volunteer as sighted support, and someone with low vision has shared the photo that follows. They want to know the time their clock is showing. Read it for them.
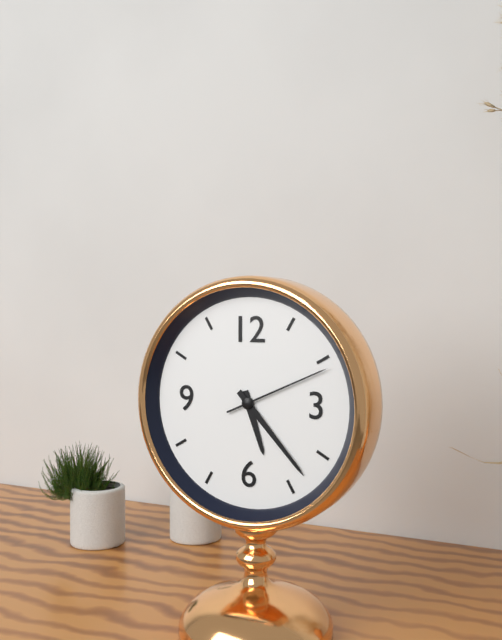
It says 5:23:11
